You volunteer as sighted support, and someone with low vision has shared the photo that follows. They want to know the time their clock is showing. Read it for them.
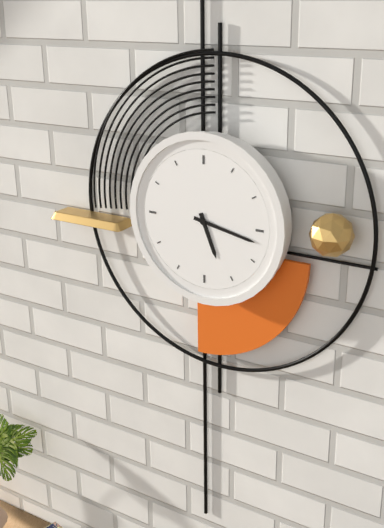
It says 5:17
